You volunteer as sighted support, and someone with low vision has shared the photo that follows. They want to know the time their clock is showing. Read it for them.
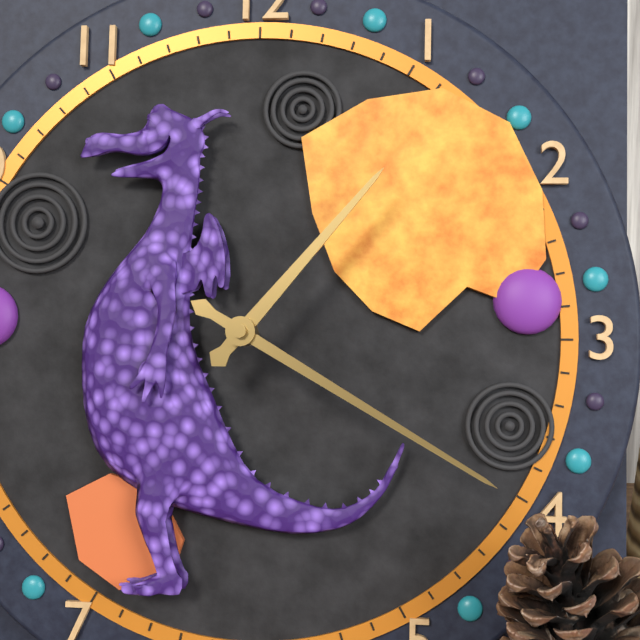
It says 1:20
